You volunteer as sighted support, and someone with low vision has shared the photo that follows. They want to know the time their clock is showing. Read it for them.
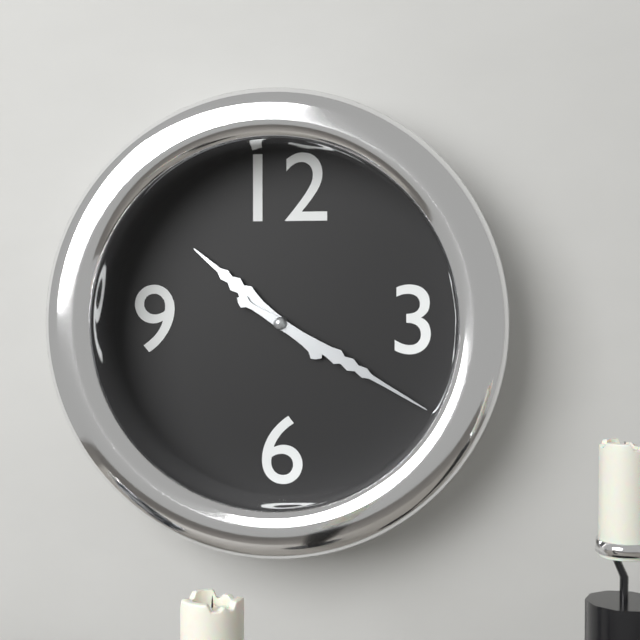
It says 10:20
